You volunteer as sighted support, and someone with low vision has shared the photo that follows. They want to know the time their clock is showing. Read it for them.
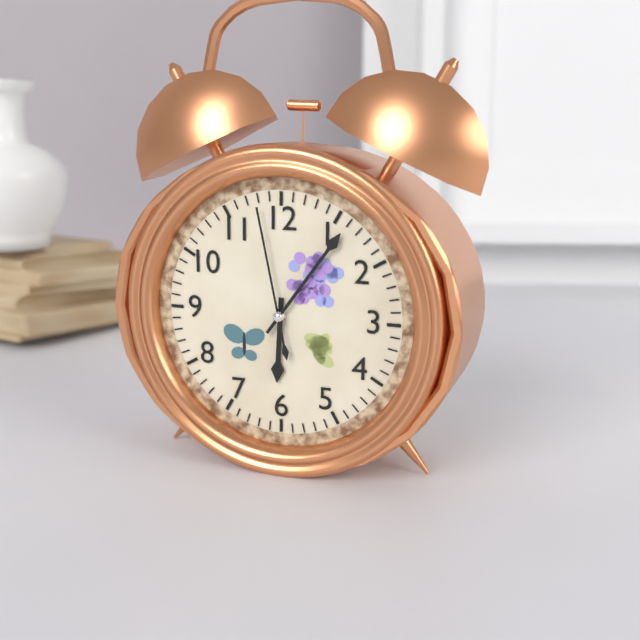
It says 6:06:58
